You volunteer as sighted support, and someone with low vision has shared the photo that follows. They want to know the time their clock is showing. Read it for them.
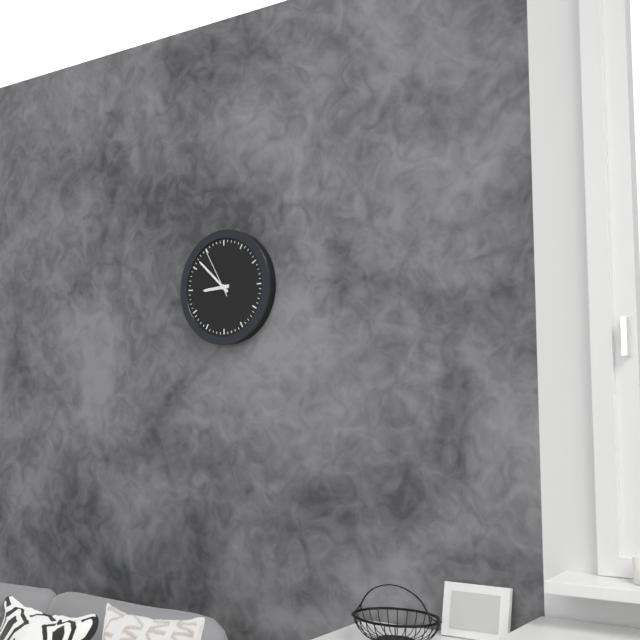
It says 8:52:55
